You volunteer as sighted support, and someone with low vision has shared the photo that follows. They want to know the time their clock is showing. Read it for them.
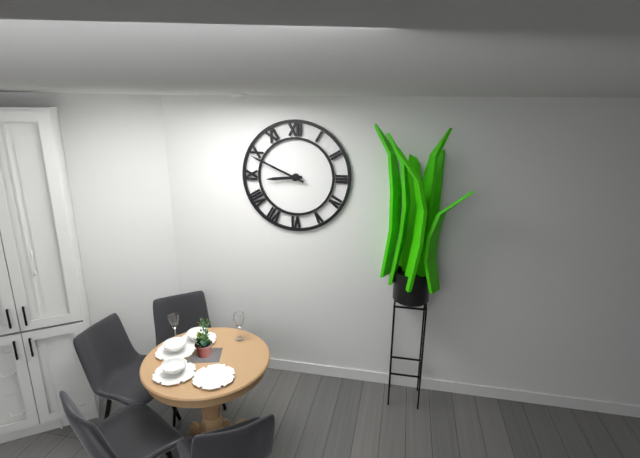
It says 8:49
